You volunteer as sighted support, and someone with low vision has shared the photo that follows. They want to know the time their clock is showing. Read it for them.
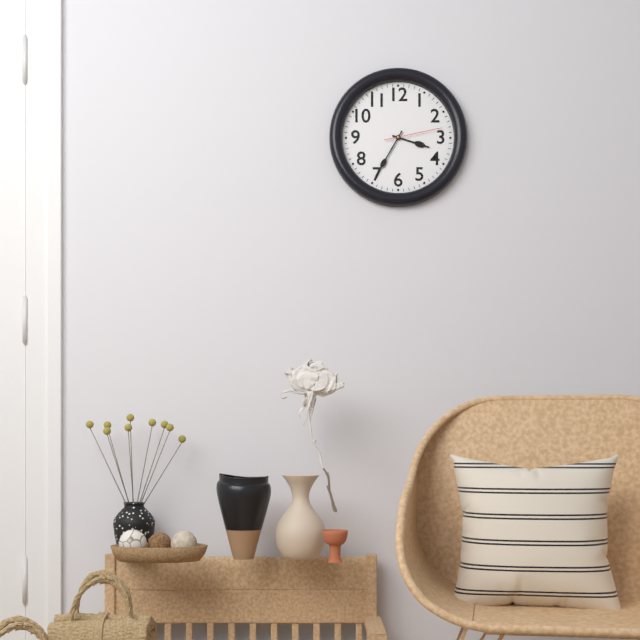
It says 3:35:13
